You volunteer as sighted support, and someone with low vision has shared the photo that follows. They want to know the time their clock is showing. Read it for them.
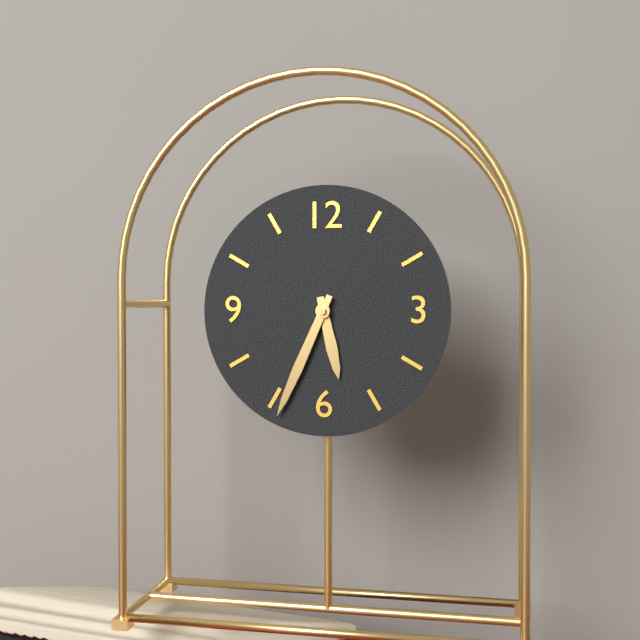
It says 5:34
